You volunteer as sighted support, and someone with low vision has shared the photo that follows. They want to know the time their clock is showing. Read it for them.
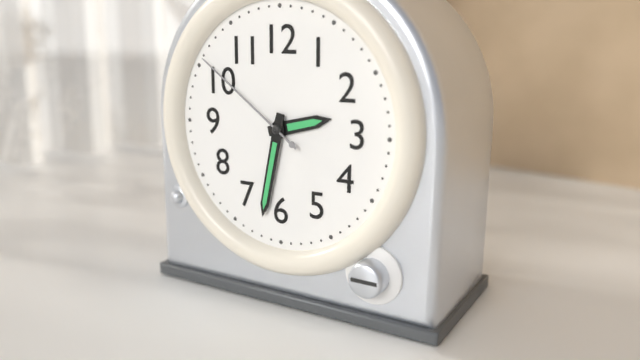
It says 2:32:51
